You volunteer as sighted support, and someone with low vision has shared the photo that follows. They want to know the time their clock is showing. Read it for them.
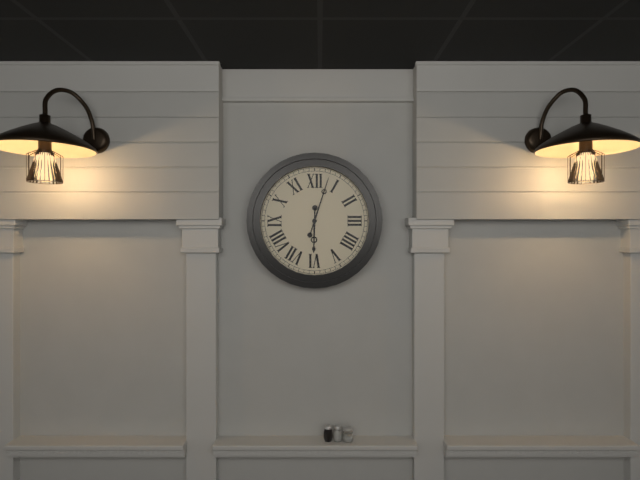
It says 6:03
